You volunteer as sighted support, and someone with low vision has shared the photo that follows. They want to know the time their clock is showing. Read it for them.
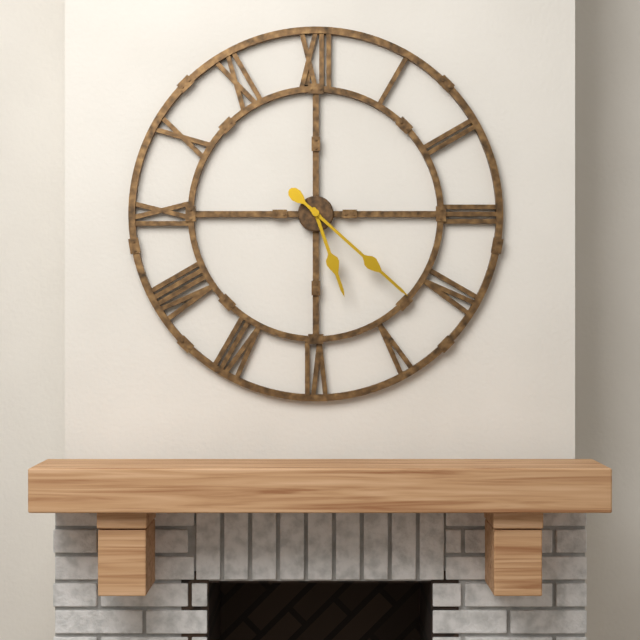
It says 5:22
